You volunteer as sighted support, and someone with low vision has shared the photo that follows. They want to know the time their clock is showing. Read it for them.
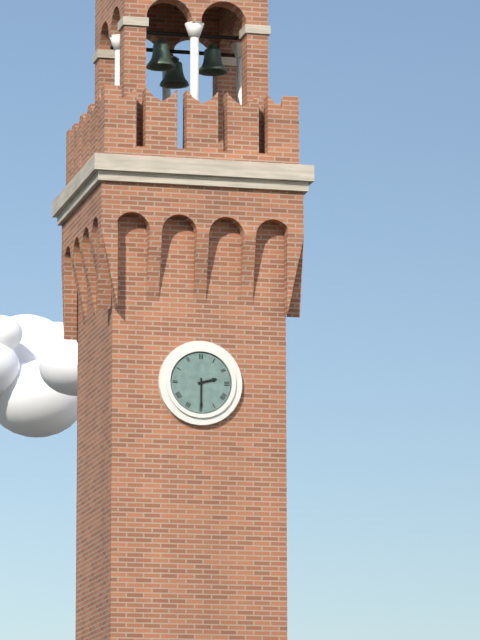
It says 2:30
